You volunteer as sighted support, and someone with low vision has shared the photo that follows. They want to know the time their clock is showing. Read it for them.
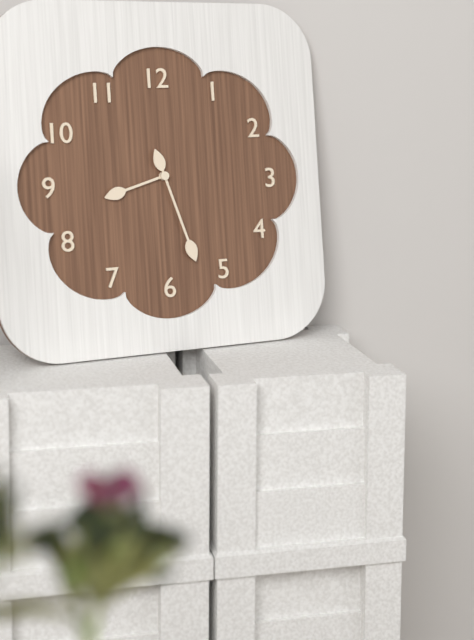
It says 8:27
